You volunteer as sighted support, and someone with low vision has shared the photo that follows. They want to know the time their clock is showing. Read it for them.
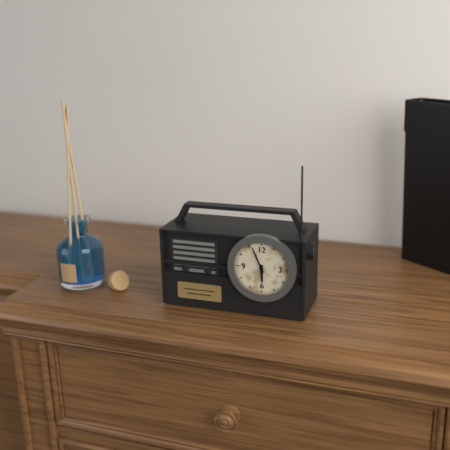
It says 5:56
